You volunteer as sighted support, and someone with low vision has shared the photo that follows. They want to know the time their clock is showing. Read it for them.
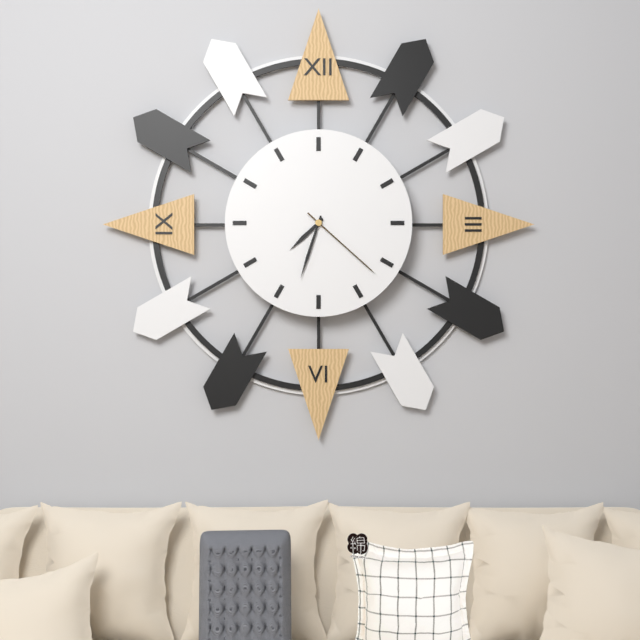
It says 7:33:22
